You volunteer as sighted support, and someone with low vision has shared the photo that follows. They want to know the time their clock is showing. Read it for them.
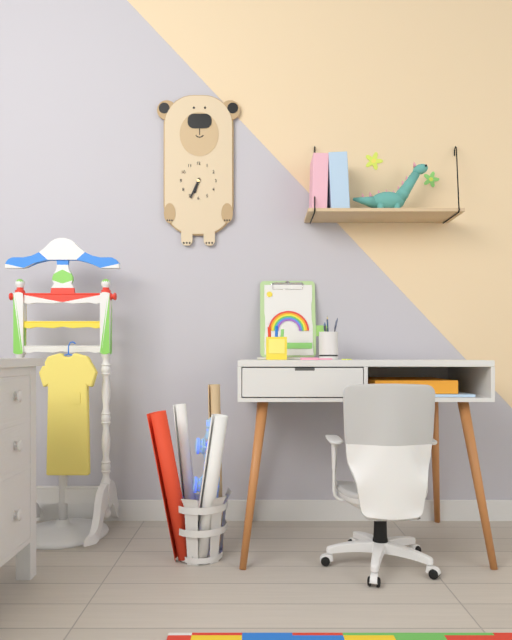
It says 6:34
